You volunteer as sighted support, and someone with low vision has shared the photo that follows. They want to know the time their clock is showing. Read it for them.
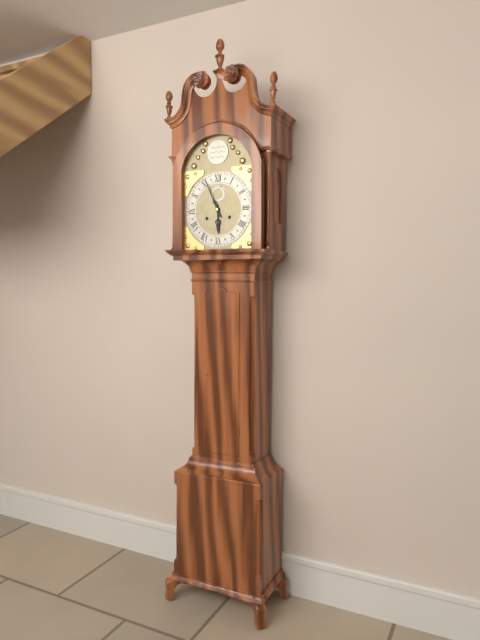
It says 5:56
